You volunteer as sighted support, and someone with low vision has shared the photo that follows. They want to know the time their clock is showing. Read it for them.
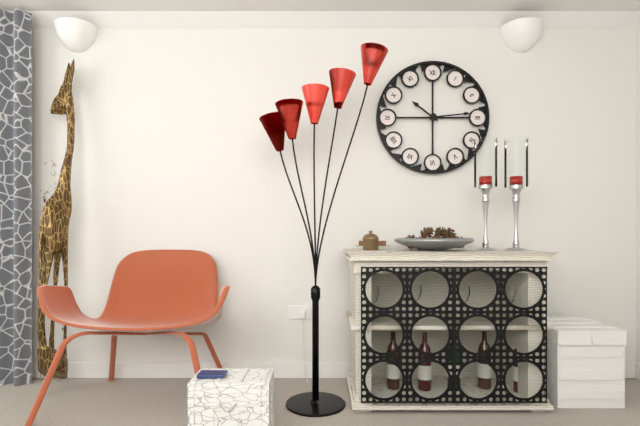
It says 10:14
